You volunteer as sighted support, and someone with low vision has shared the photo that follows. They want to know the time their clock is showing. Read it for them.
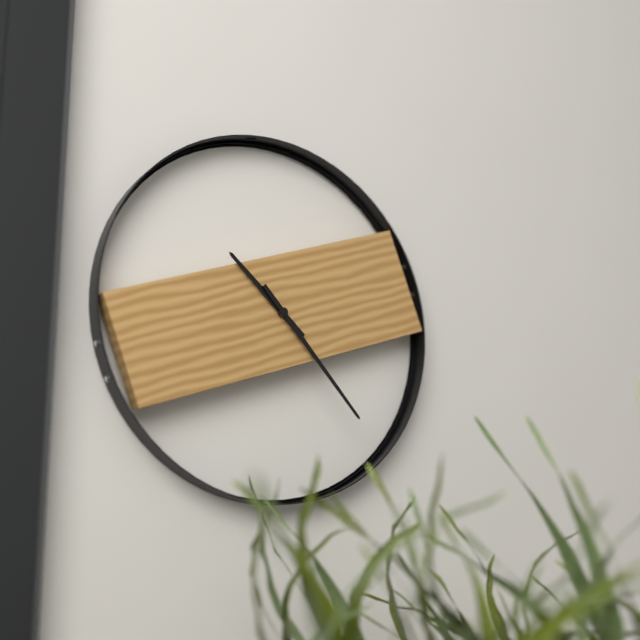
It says 10:23
